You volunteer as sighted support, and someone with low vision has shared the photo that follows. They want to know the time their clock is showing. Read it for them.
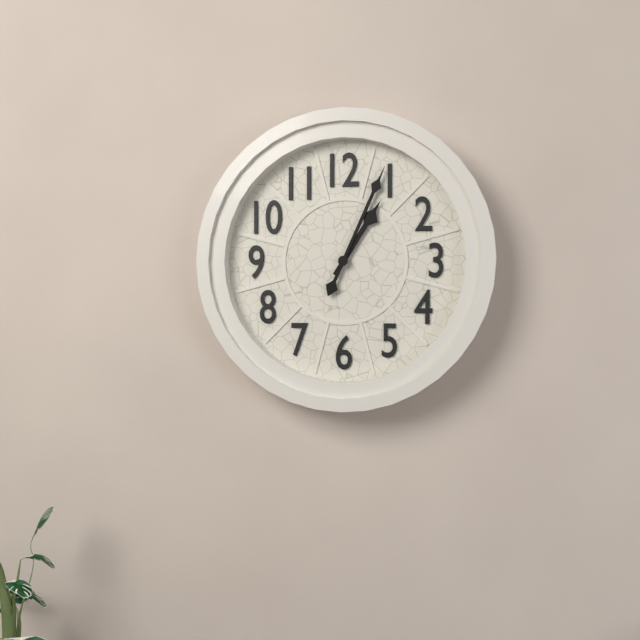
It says 1:04
